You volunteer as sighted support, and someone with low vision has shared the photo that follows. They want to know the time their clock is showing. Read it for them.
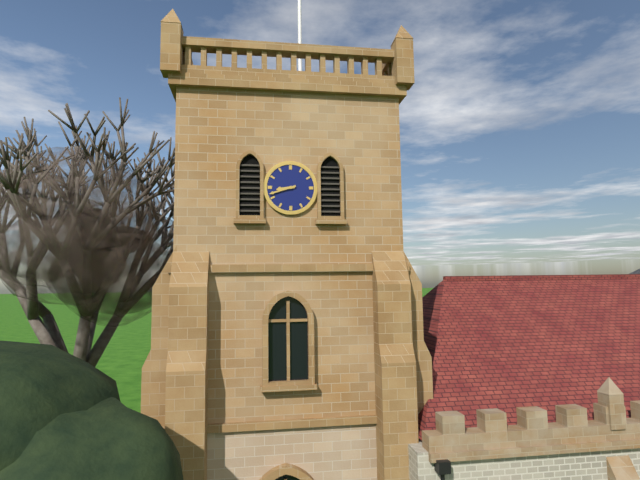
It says 8:42
